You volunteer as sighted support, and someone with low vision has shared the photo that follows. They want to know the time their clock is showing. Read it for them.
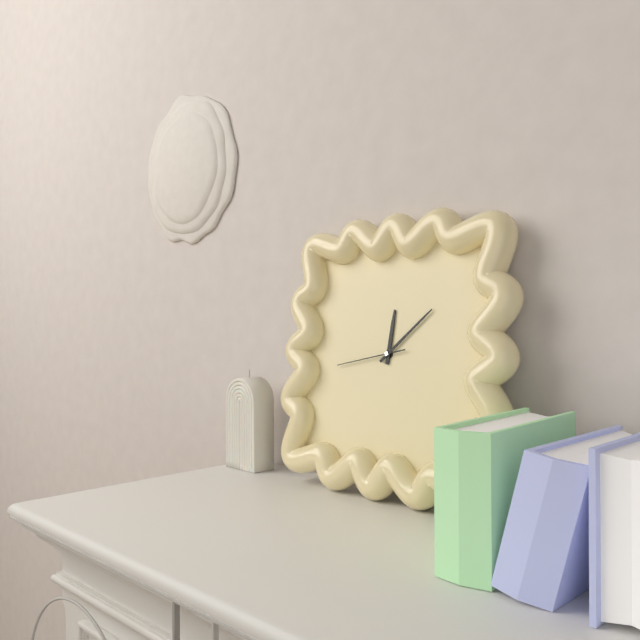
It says 12:08:43
